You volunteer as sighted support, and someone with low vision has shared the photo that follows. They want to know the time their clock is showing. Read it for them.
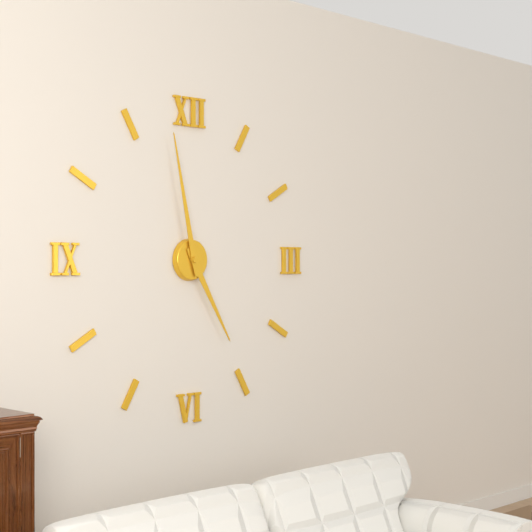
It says 4:58
